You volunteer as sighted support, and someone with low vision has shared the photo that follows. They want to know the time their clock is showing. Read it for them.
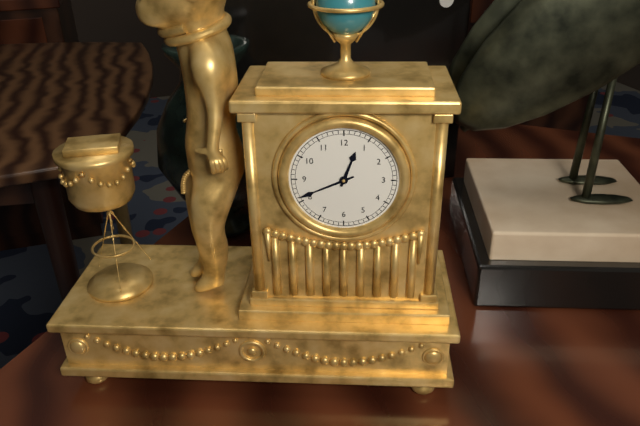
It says 12:41
